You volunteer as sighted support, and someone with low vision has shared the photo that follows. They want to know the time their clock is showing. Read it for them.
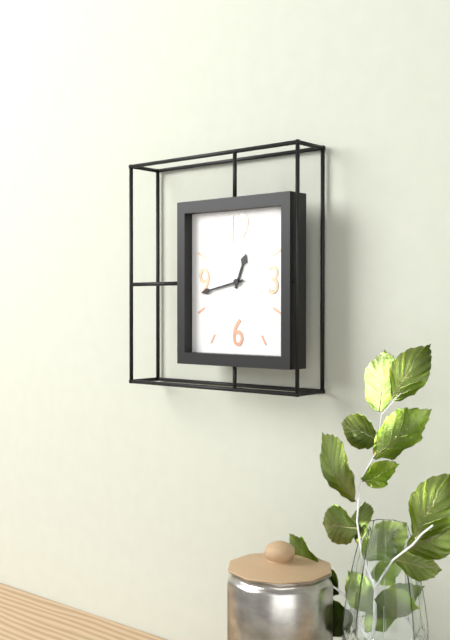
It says 12:43
